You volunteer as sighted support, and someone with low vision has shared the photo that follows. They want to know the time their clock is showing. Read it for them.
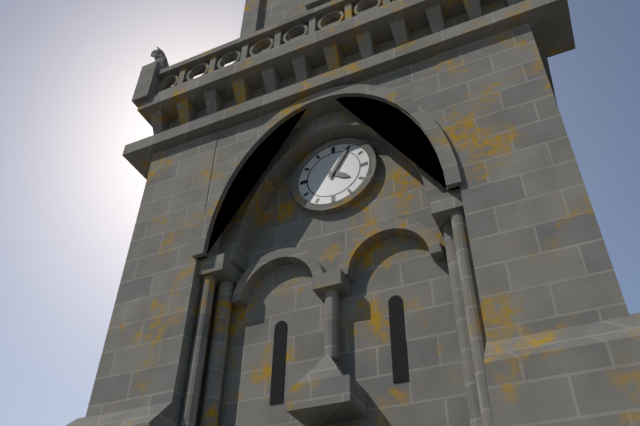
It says 4:05
